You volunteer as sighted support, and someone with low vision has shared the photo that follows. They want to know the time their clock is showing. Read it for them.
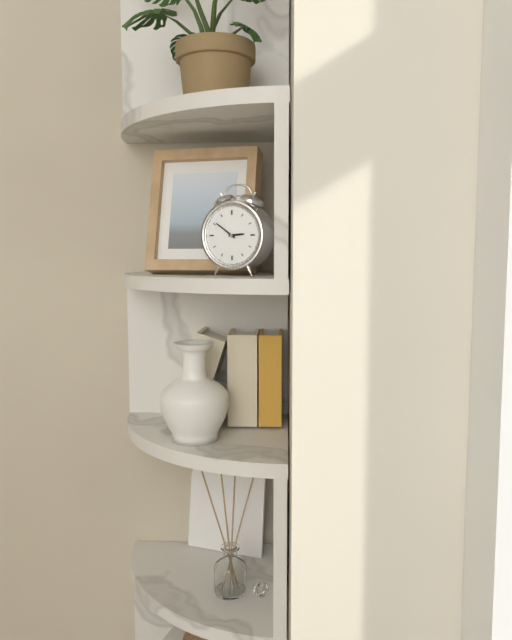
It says 2:51
